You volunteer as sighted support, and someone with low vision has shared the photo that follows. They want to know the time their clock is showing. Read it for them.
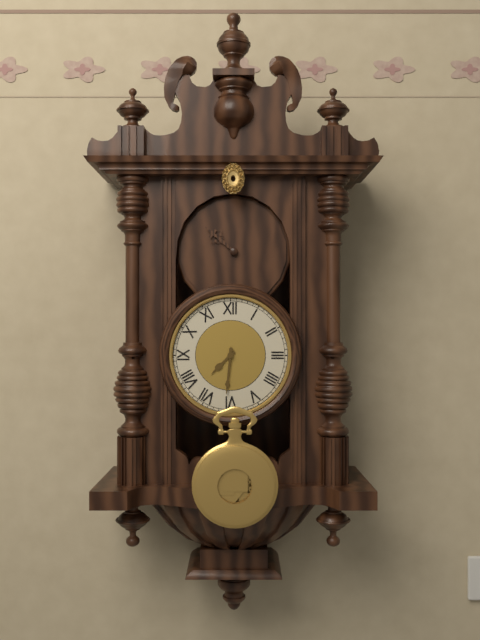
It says 7:31
